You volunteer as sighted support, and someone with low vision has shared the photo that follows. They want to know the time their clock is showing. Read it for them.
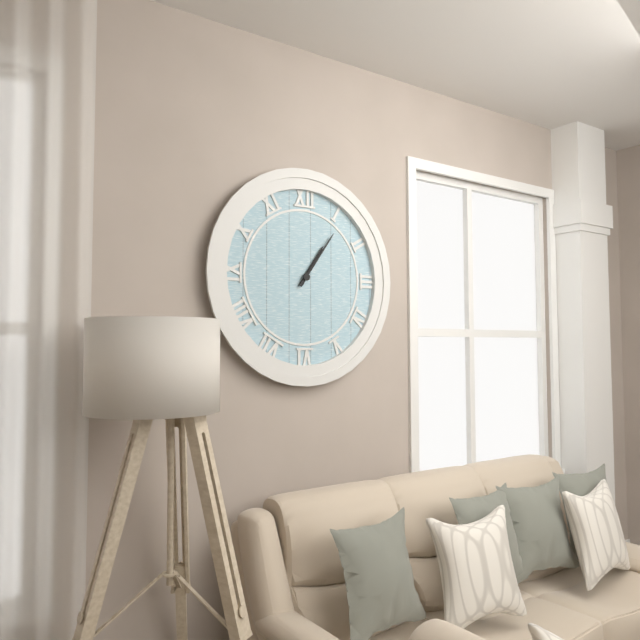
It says 1:06
